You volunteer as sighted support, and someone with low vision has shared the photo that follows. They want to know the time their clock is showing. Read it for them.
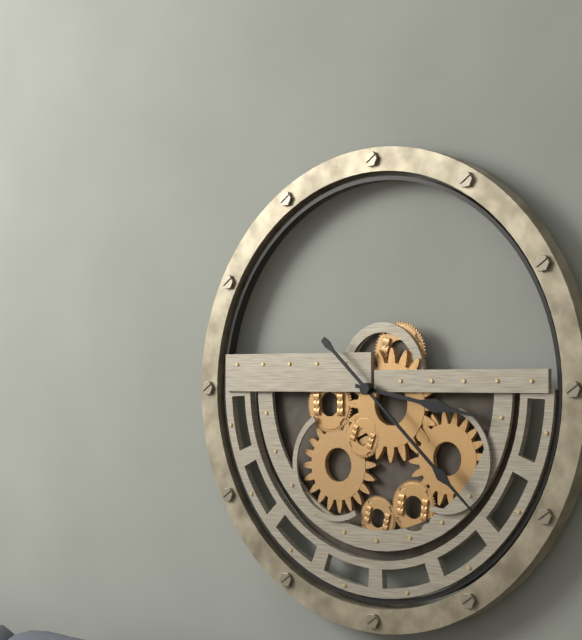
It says 3:22
